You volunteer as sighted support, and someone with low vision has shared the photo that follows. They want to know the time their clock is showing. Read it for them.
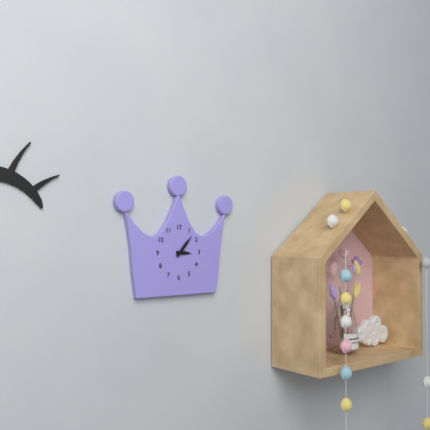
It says 3:07
